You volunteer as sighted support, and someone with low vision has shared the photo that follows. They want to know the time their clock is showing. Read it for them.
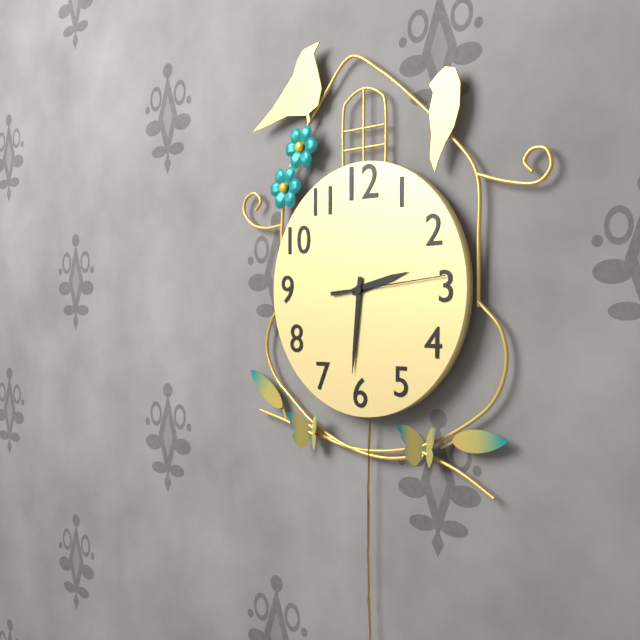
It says 2:31:14
